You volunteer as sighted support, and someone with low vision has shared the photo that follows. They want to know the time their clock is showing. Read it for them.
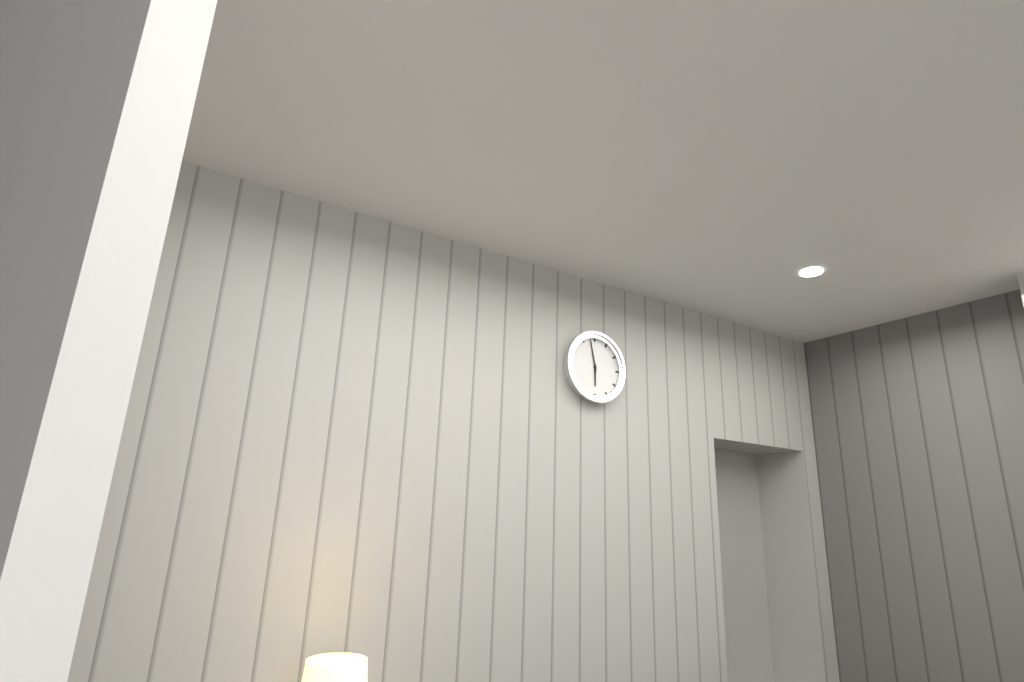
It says 5:58
